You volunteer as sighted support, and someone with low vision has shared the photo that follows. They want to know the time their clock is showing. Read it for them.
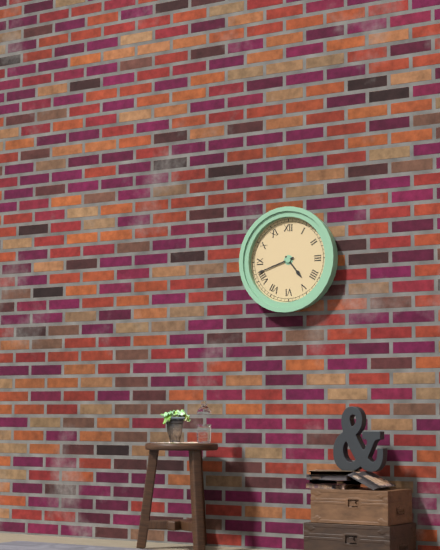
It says 4:42
